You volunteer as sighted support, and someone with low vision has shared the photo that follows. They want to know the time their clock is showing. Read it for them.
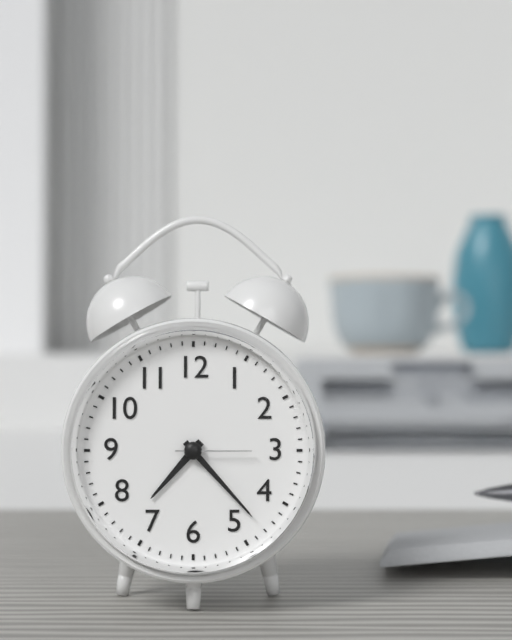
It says 7:23:15
